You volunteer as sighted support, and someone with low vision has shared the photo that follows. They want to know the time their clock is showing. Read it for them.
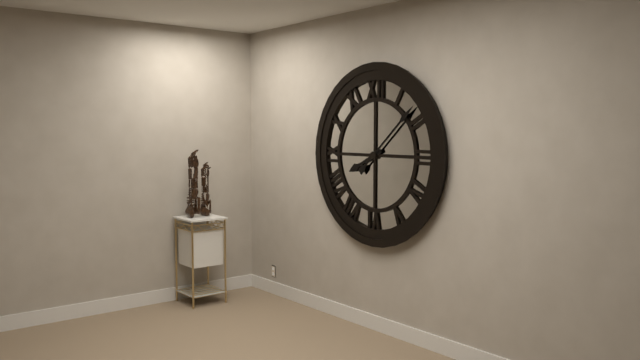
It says 8:08
